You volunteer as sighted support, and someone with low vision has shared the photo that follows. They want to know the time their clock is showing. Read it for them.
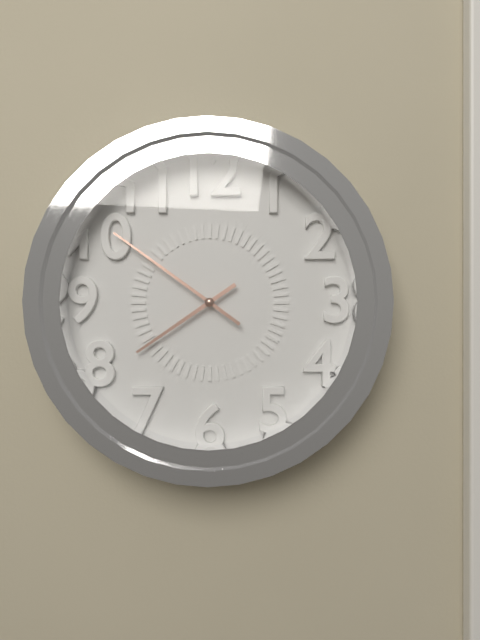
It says 7:51
